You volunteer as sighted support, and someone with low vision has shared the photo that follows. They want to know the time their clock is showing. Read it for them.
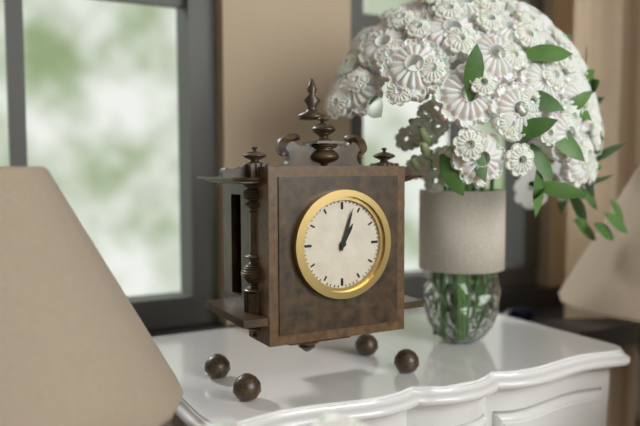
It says 1:03
